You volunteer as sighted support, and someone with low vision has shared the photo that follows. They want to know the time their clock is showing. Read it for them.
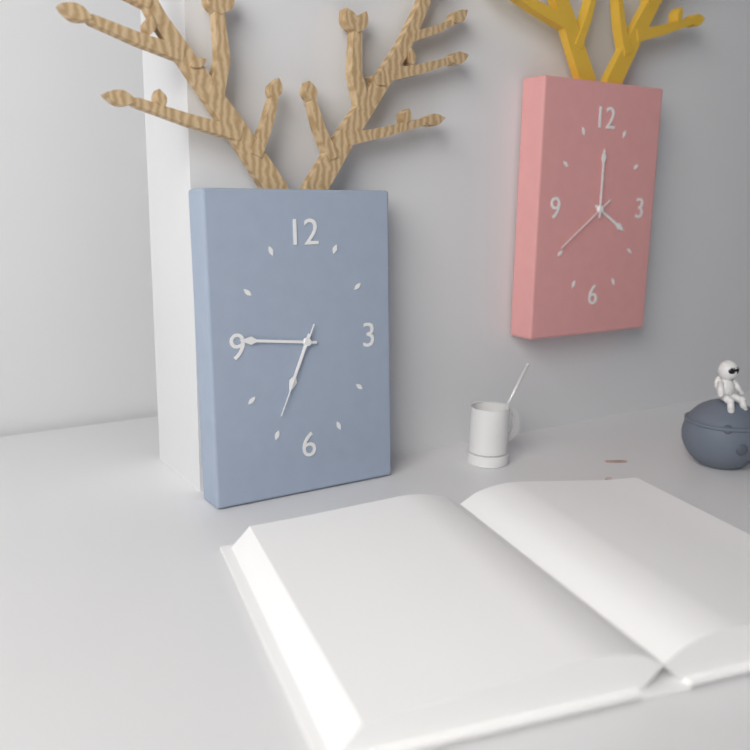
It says 6:46:34
